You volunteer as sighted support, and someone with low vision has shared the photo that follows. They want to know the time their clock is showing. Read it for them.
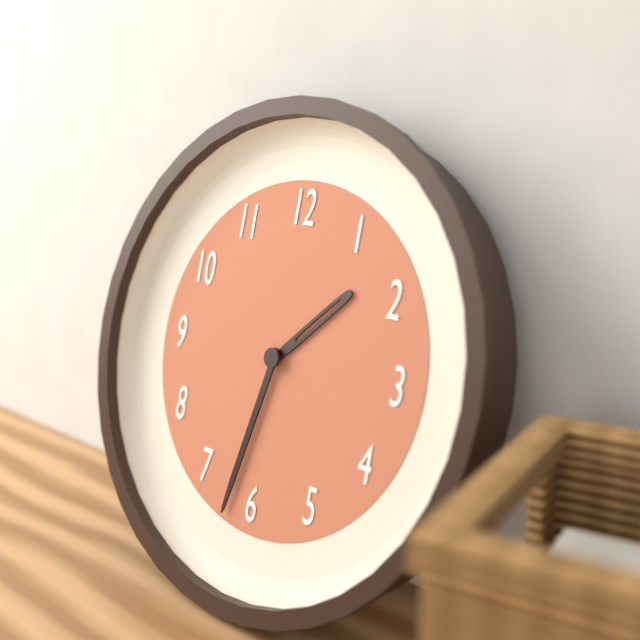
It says 1:32
